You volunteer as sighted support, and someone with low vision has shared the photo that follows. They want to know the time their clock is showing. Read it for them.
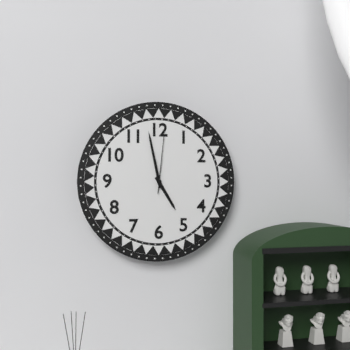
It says 4:58:01
